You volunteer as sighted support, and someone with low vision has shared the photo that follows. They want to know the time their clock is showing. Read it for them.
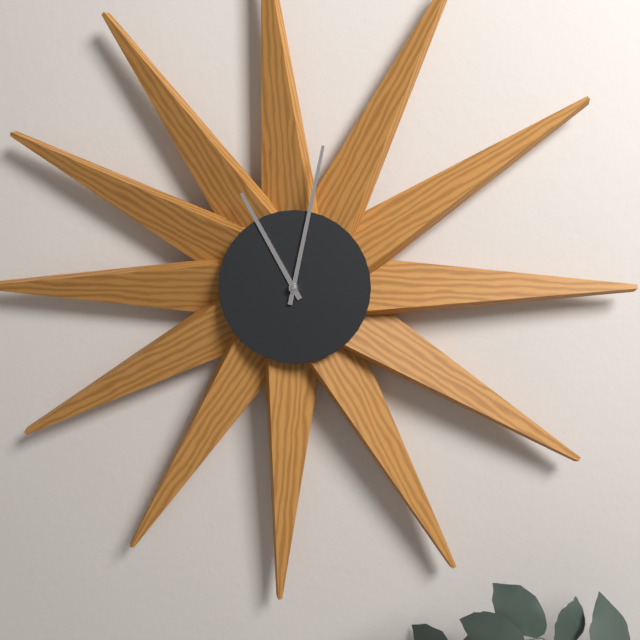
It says 11:02
